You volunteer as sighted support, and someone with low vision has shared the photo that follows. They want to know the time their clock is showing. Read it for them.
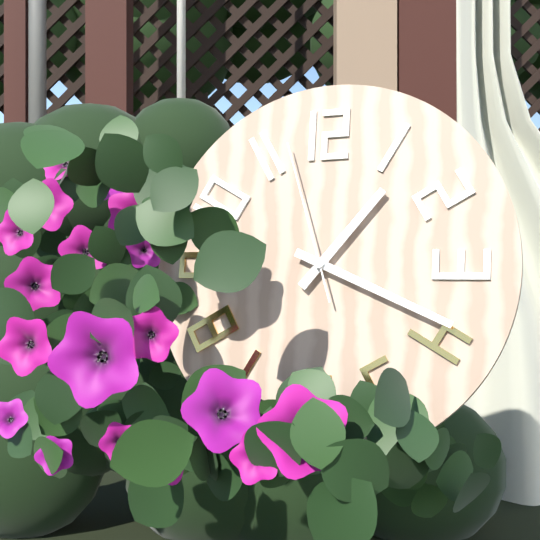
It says 1:19:57
